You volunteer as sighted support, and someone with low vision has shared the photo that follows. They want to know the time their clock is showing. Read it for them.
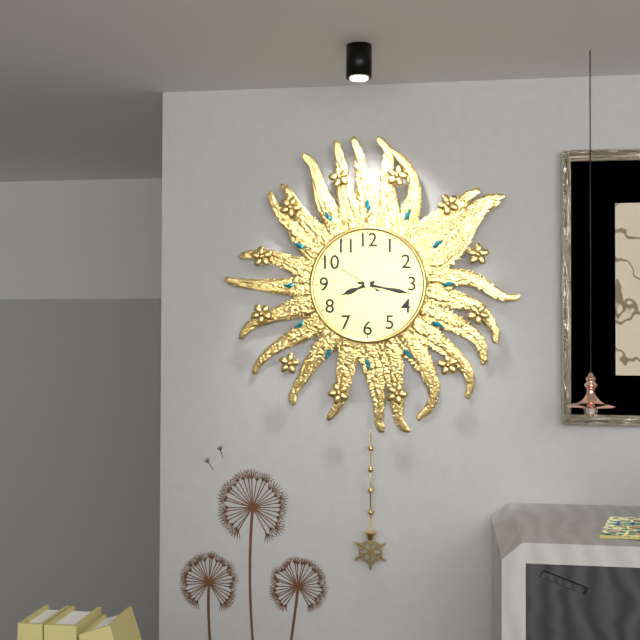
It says 8:17:50
